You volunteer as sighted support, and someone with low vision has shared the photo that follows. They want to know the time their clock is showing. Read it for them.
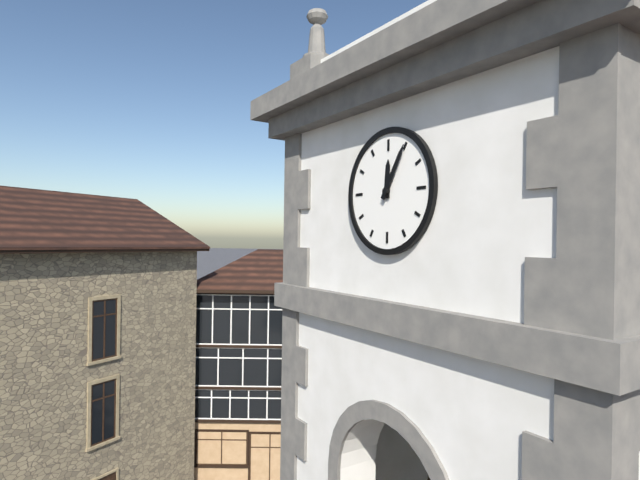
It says 12:05
